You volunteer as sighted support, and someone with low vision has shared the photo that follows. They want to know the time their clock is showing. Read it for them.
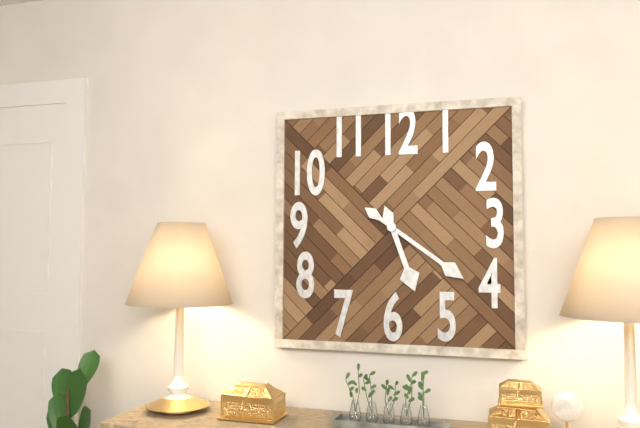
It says 5:21
